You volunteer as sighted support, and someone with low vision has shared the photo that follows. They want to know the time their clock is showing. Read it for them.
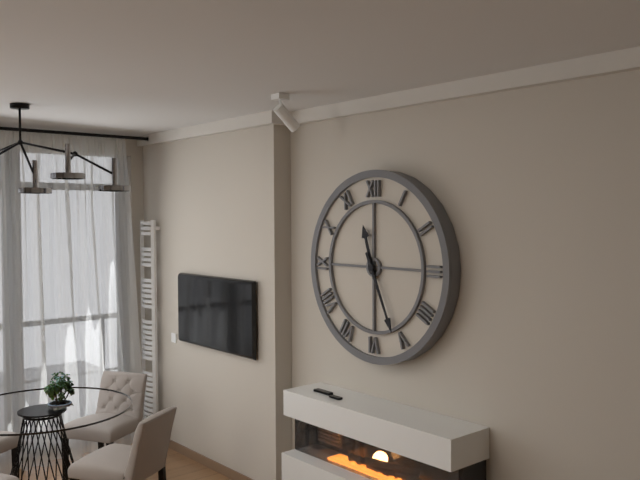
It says 11:26
